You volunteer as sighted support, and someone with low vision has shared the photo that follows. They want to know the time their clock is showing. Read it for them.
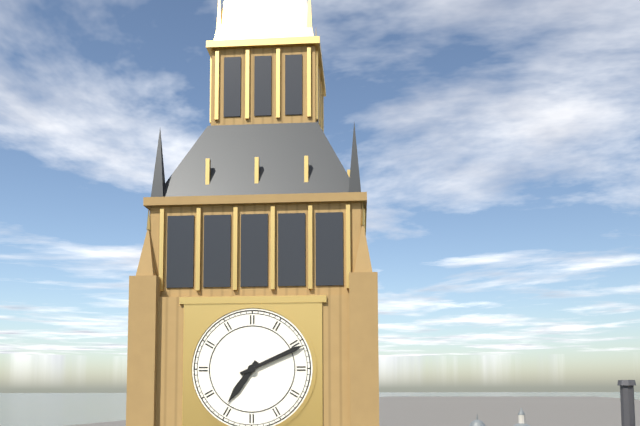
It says 7:11
